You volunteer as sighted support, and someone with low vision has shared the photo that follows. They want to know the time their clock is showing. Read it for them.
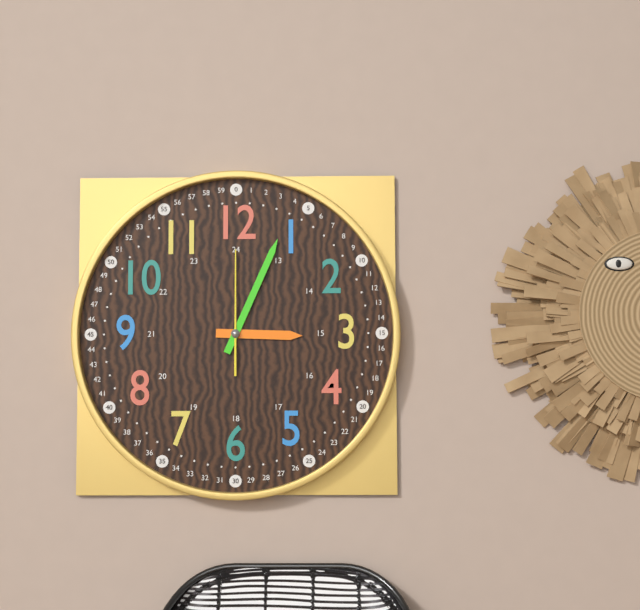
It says 3:04:00
